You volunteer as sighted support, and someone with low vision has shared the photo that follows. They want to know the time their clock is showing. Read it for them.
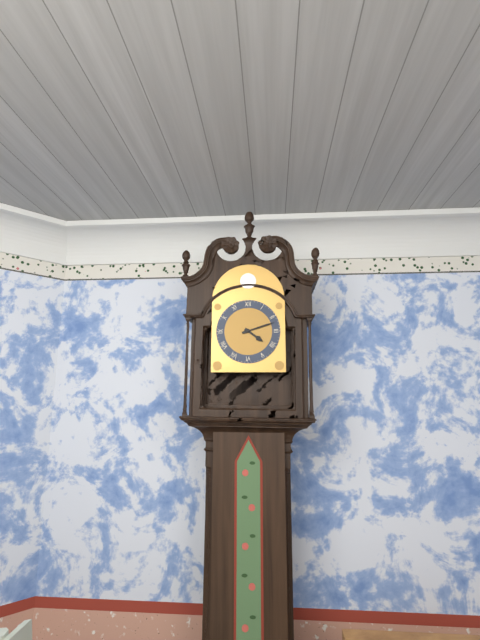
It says 4:12
